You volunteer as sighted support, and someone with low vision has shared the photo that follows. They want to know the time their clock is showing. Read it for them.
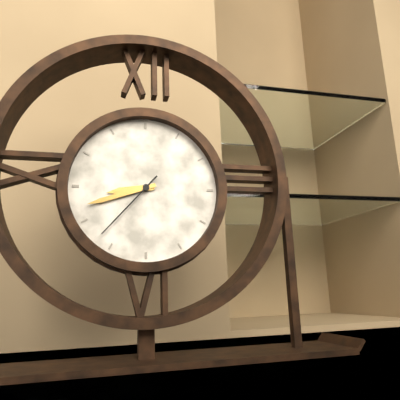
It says 8:42:37
